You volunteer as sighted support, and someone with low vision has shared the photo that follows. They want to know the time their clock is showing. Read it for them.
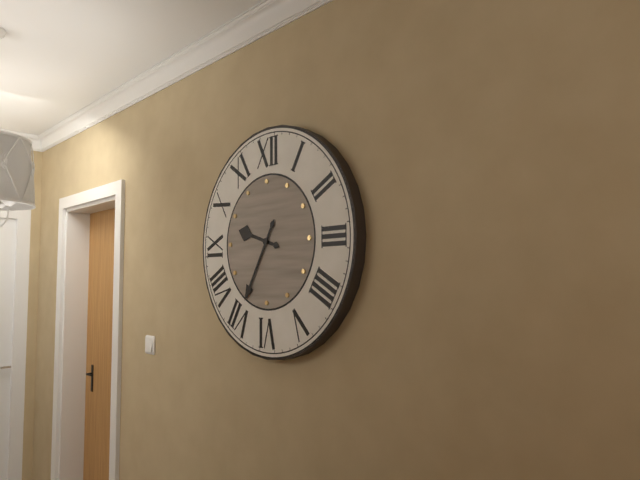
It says 9:35
